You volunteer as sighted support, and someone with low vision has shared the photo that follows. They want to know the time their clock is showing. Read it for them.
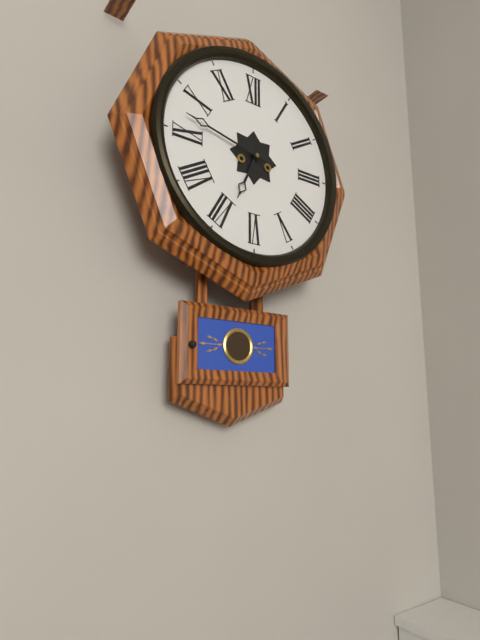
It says 6:47
